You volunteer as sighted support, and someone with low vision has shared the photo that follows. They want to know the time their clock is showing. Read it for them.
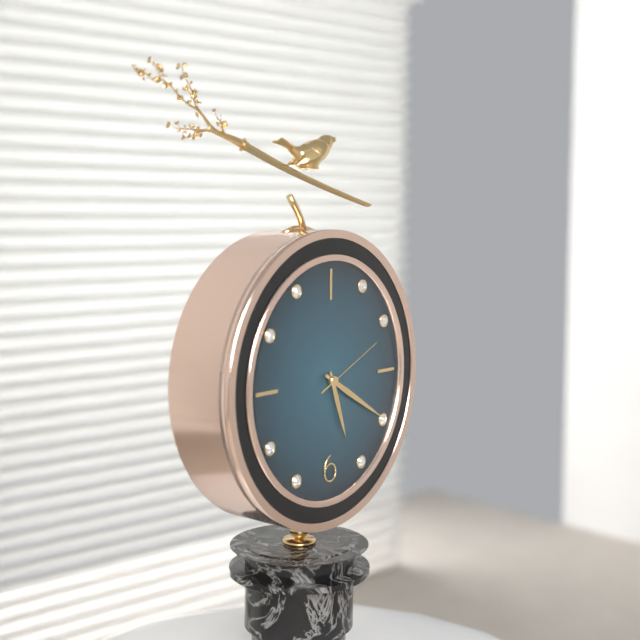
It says 5:20:11
